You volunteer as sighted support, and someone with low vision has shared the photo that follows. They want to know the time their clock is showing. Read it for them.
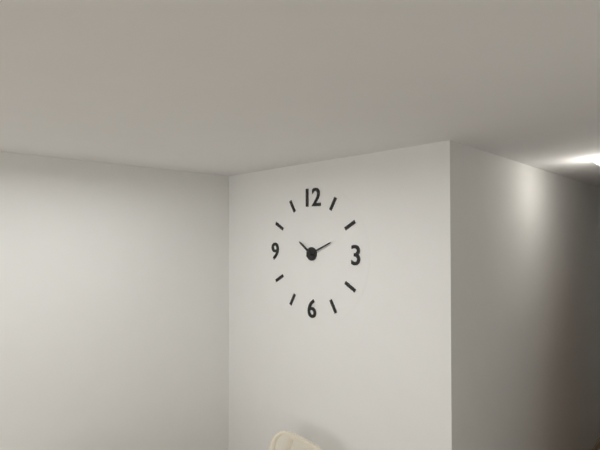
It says 10:11
